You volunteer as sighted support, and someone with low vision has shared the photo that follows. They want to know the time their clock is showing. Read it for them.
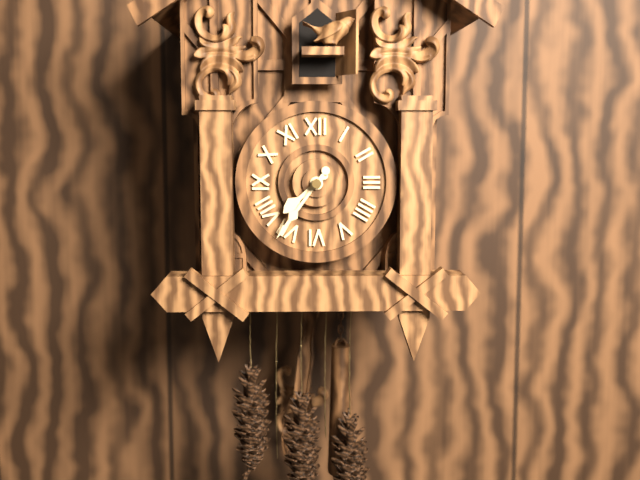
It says 7:36
